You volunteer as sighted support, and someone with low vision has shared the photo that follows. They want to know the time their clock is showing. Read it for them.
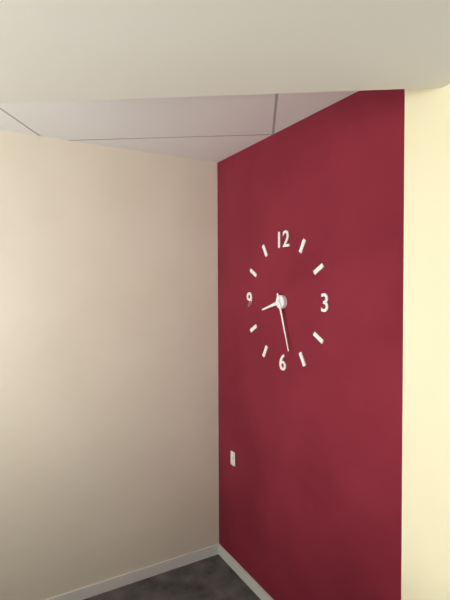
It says 8:27
